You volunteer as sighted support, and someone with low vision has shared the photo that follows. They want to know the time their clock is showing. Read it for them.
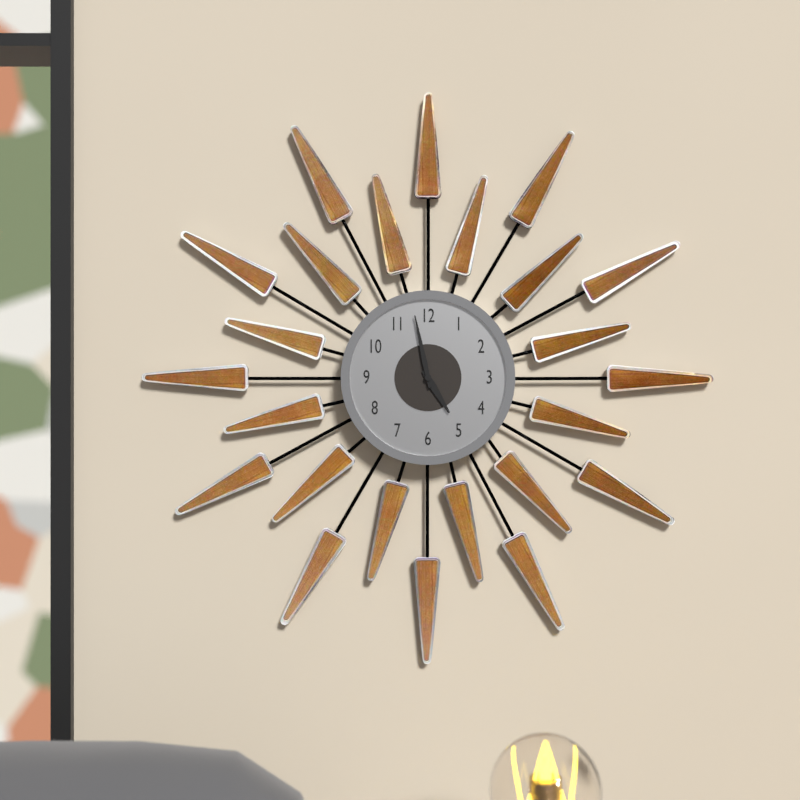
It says 4:58
